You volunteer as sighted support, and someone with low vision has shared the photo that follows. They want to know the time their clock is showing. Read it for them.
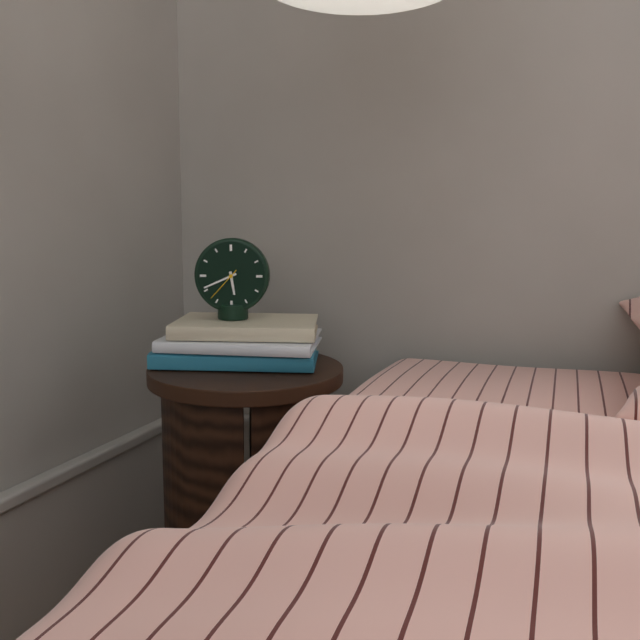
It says 5:41
